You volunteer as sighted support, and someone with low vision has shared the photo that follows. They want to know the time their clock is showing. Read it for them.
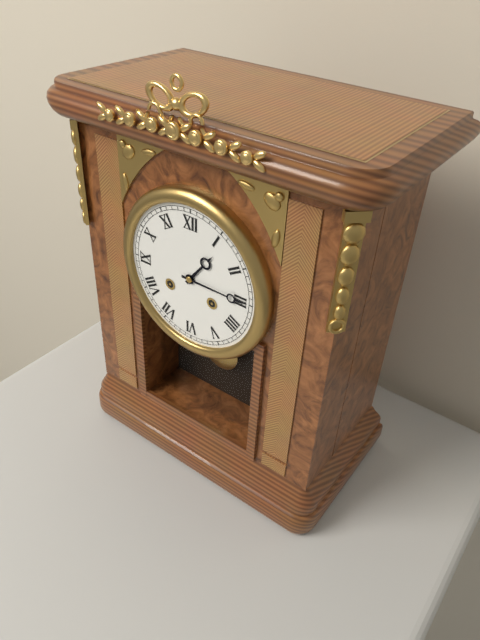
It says 1:15
